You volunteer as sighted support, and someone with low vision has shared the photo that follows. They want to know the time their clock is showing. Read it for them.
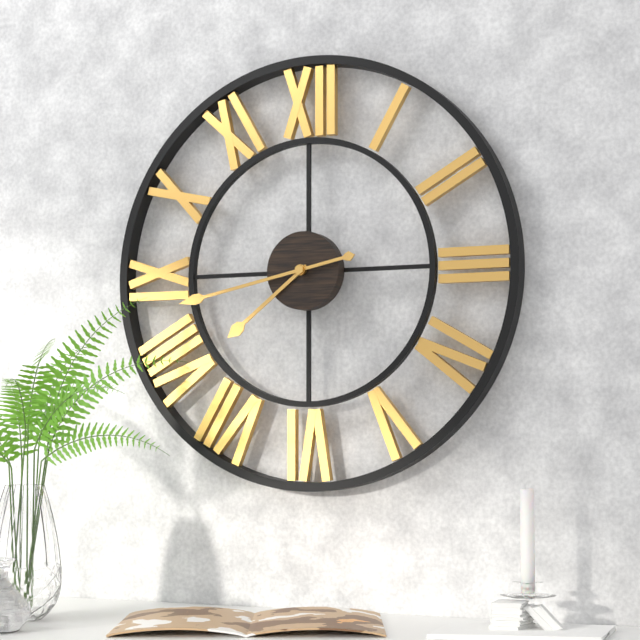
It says 7:43
